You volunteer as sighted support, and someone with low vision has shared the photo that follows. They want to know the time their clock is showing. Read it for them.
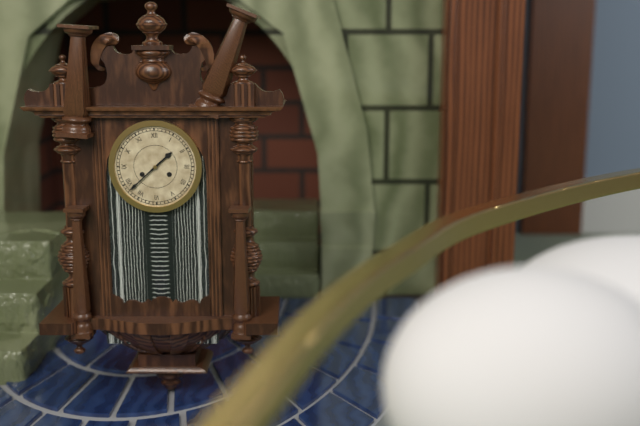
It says 1:38
